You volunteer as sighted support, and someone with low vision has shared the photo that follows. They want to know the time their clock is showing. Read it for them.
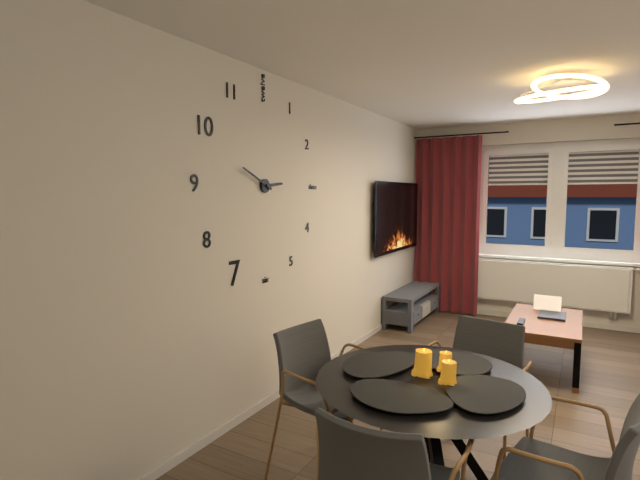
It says 2:49
